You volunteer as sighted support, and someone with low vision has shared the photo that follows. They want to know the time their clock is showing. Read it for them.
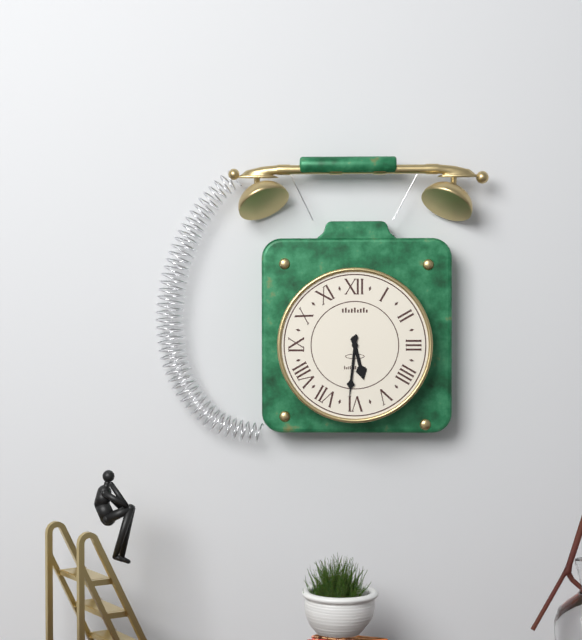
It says 5:31
